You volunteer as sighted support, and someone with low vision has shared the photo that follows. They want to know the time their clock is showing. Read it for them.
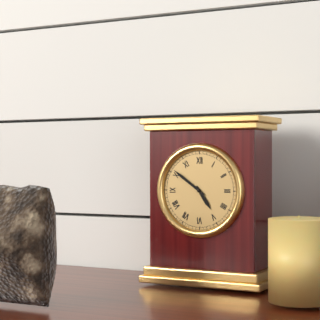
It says 4:51
